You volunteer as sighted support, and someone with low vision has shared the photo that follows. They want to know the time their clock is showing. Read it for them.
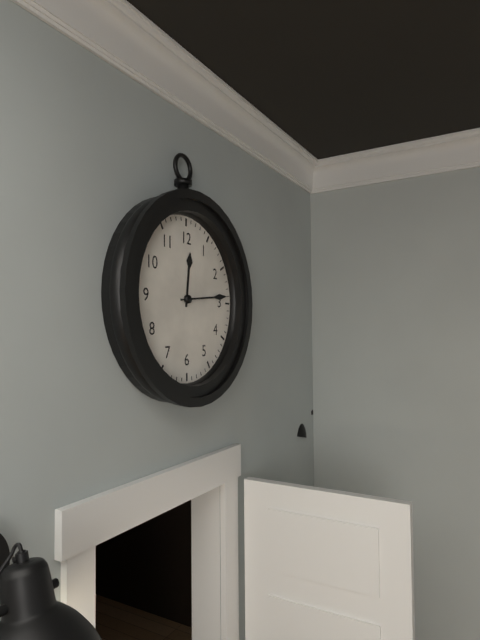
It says 12:14
